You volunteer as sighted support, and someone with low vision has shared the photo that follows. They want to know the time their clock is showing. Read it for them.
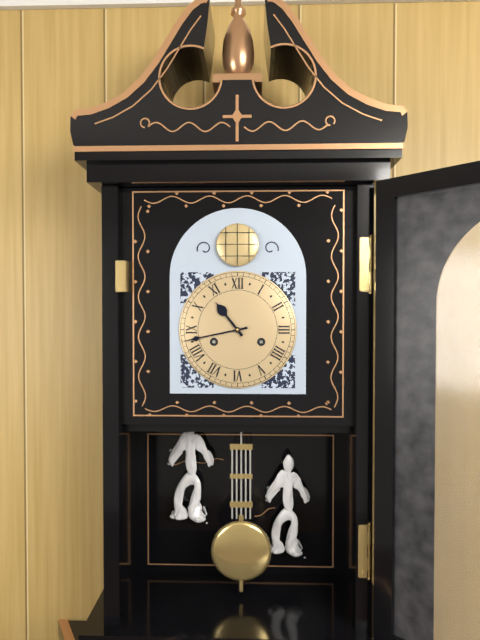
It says 10:43
